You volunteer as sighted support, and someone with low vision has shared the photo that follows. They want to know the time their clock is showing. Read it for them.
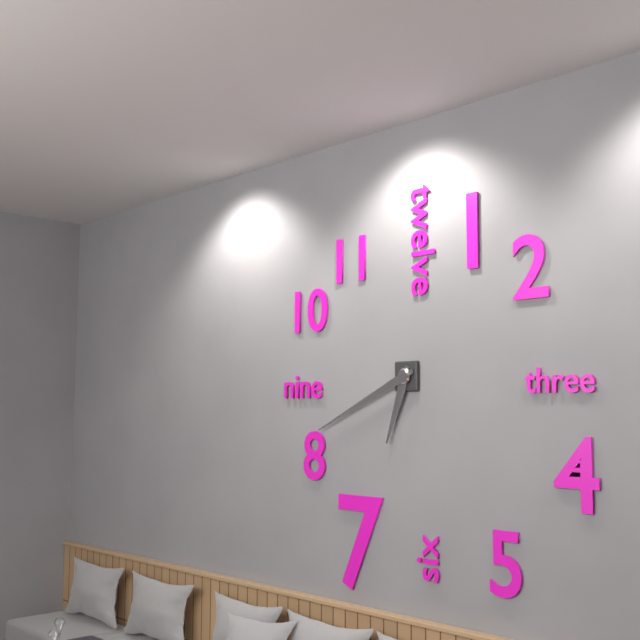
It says 6:41
